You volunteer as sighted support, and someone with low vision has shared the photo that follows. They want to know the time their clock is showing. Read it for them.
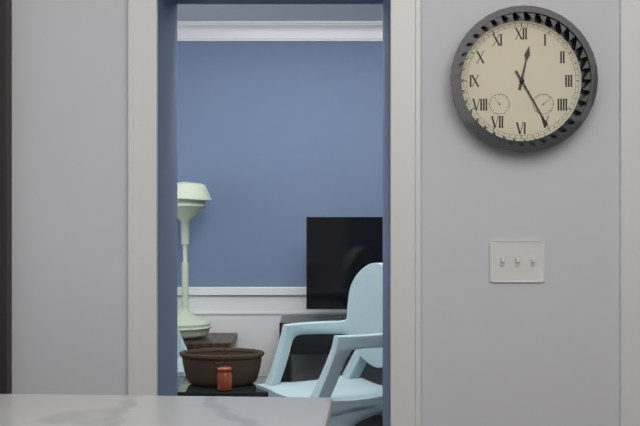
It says 12:25
